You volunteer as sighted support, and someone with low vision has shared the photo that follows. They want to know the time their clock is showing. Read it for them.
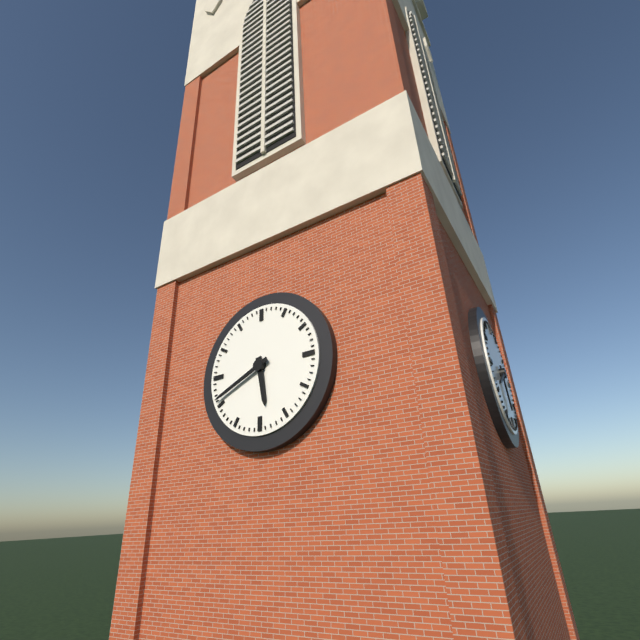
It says 5:41
